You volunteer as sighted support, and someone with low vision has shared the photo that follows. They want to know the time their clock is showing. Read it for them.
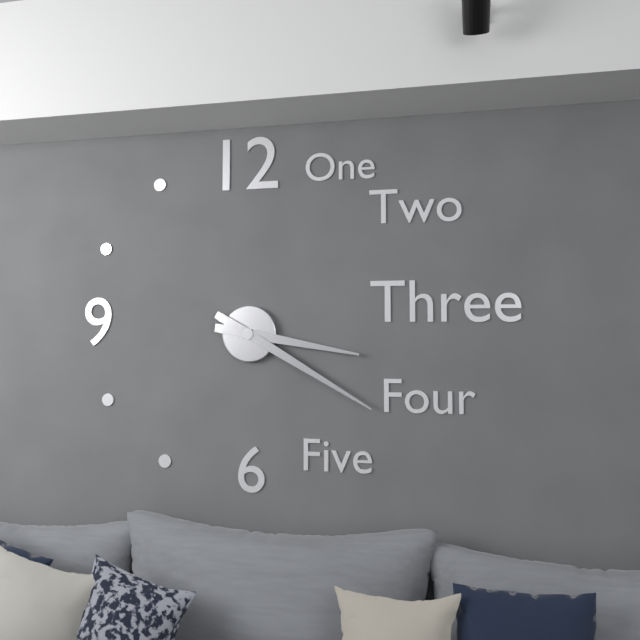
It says 3:20
